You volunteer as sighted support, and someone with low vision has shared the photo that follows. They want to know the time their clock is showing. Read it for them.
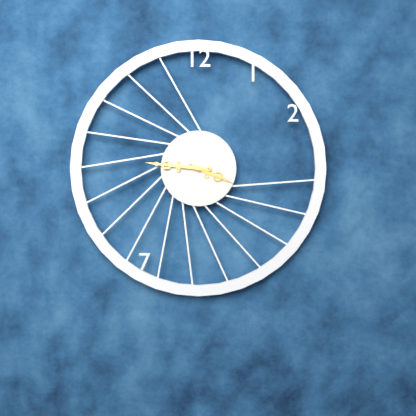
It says 3:46
